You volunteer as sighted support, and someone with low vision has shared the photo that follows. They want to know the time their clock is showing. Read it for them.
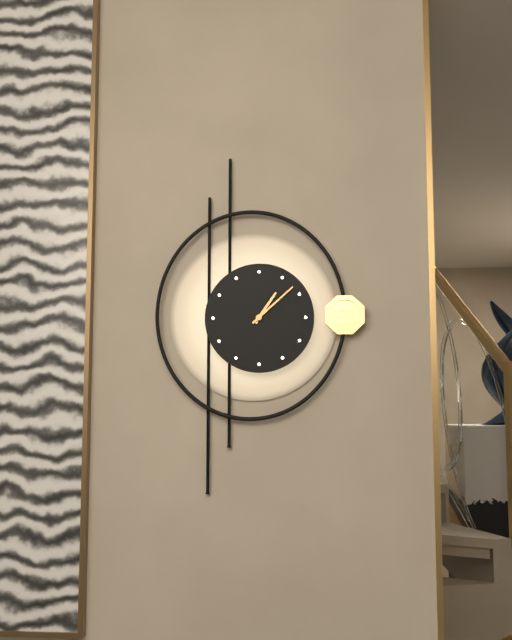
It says 1:08
